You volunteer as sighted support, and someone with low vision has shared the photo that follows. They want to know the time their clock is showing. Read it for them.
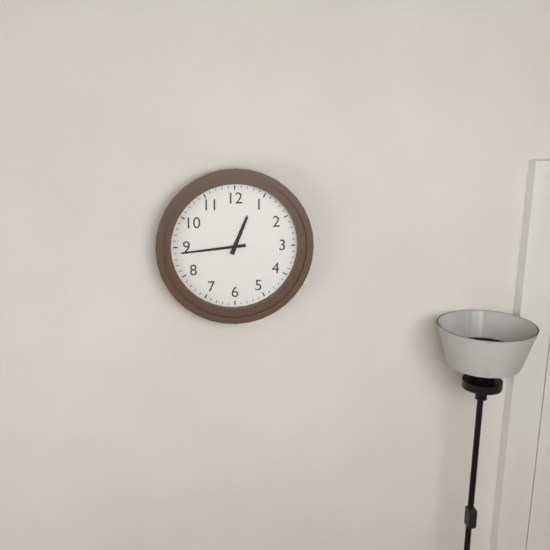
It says 12:44
